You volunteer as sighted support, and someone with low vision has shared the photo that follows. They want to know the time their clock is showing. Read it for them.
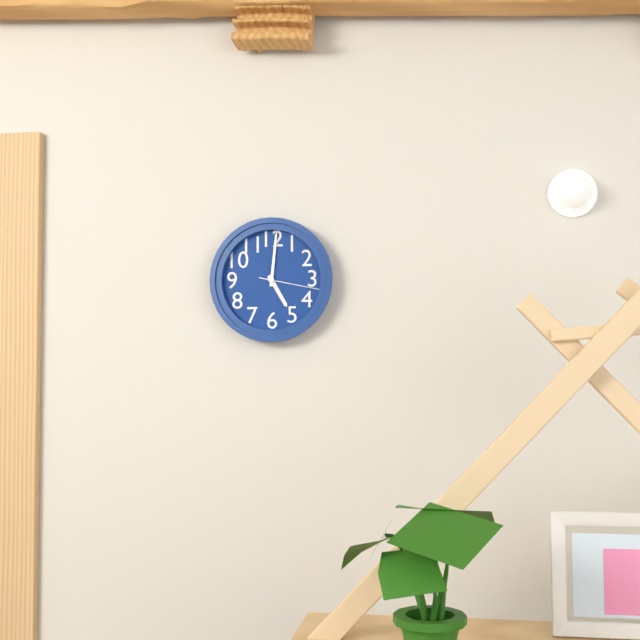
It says 5:01:17
